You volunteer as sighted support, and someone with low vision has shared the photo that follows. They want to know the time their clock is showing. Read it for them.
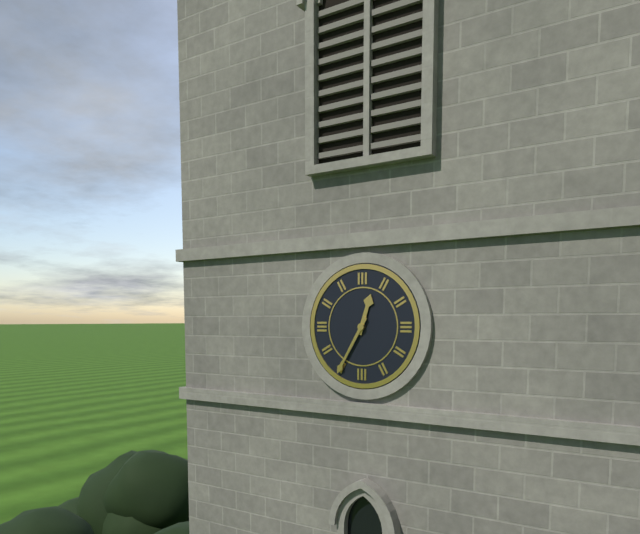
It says 12:35
